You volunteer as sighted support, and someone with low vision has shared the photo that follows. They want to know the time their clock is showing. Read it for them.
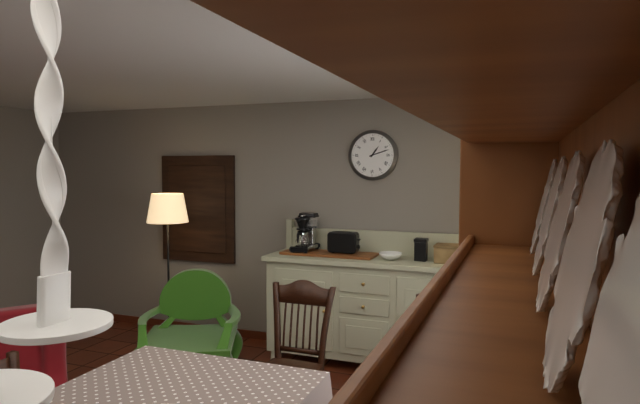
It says 1:12
